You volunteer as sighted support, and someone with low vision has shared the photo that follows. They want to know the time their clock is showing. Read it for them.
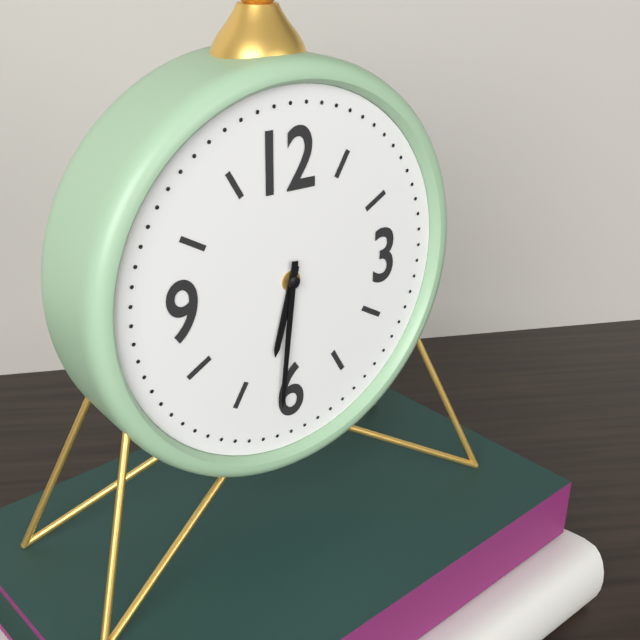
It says 6:31
